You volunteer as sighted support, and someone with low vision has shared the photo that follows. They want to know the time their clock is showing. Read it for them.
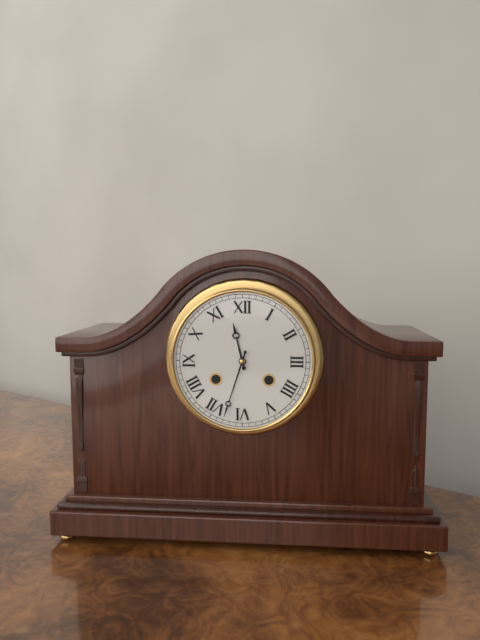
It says 11:33
